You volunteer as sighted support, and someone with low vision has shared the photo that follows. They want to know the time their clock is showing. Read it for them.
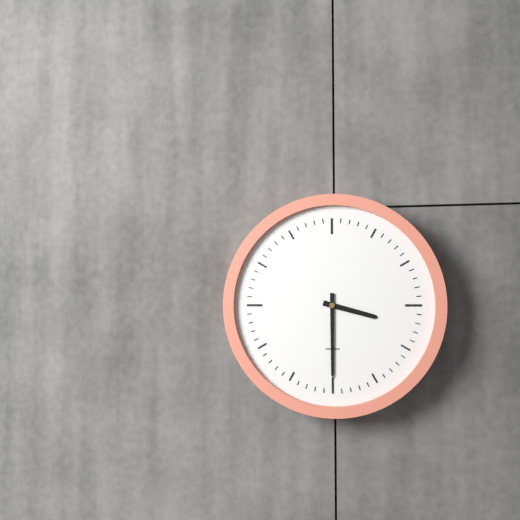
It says 3:30
